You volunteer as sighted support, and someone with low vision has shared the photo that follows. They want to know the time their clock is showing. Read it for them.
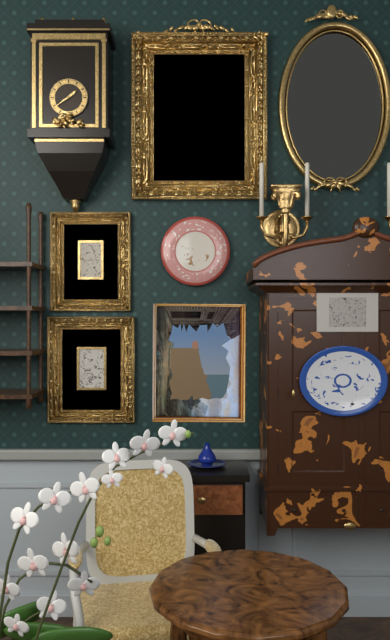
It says 1:39
